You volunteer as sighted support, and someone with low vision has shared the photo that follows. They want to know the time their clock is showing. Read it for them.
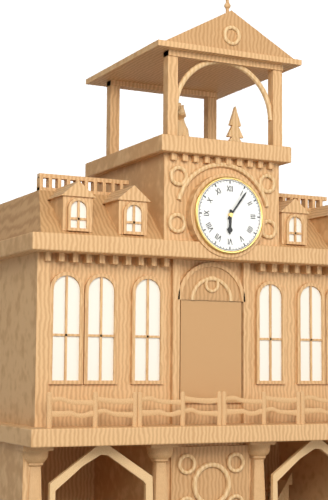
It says 6:06
